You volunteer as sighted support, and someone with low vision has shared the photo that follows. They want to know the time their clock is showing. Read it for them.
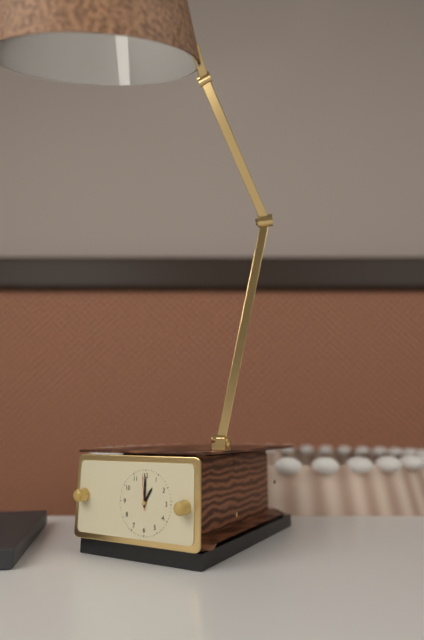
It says 1:00
